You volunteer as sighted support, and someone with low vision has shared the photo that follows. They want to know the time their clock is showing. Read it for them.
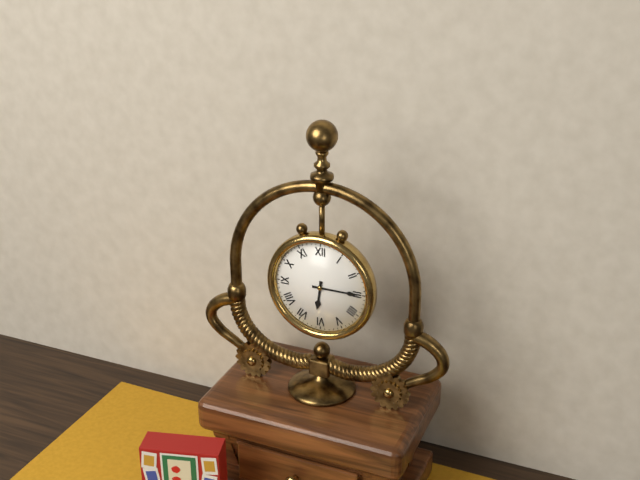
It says 6:15
